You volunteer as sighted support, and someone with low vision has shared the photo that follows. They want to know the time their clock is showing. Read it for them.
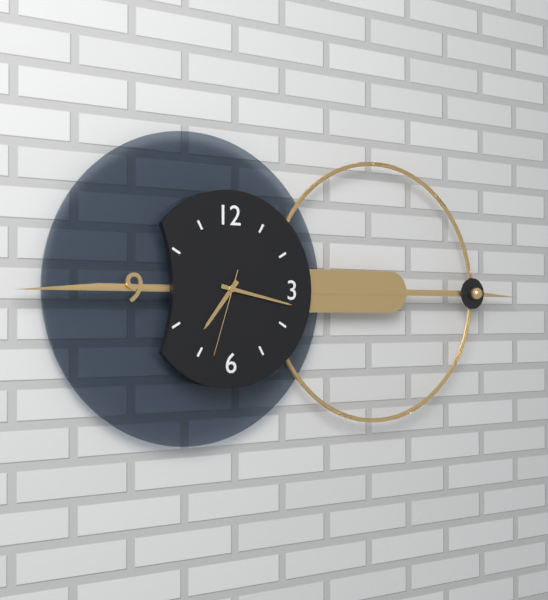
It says 7:17:33
